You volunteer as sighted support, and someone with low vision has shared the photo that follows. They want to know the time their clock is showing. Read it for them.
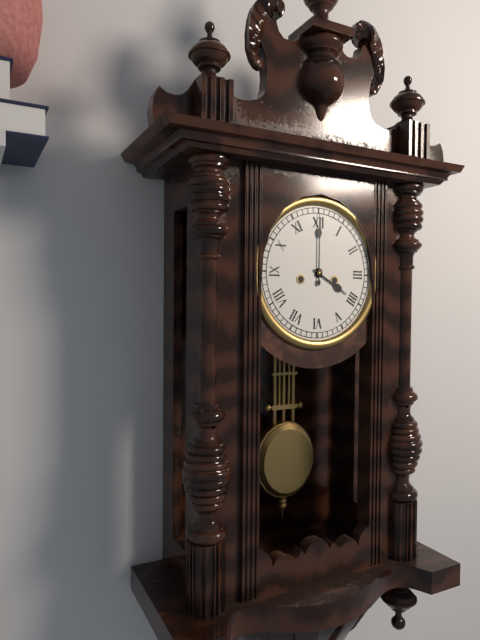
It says 4:00
